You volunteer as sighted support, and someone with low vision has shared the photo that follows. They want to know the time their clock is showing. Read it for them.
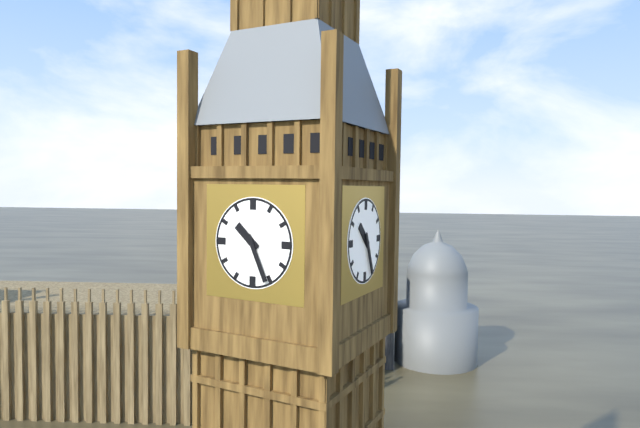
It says 10:26
